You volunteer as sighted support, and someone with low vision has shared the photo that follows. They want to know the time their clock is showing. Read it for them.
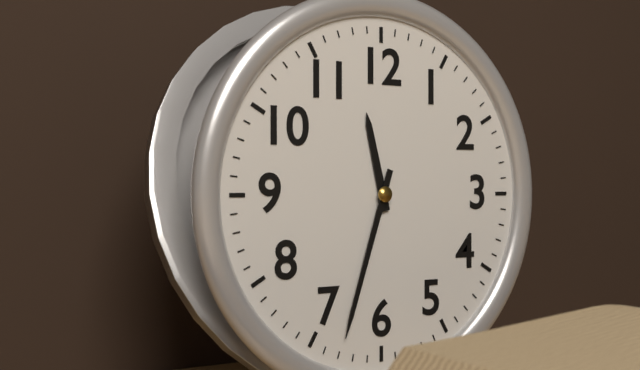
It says 11:33
